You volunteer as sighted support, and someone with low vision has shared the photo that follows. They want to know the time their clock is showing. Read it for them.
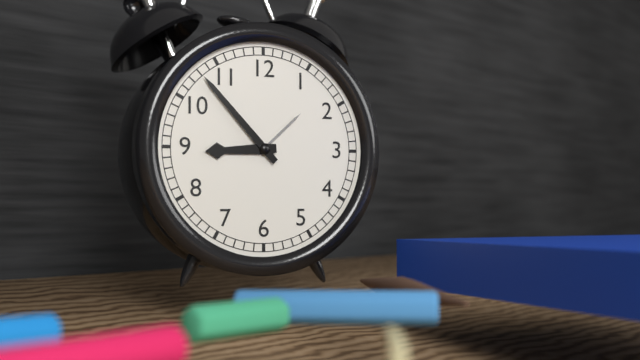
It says 8:53
